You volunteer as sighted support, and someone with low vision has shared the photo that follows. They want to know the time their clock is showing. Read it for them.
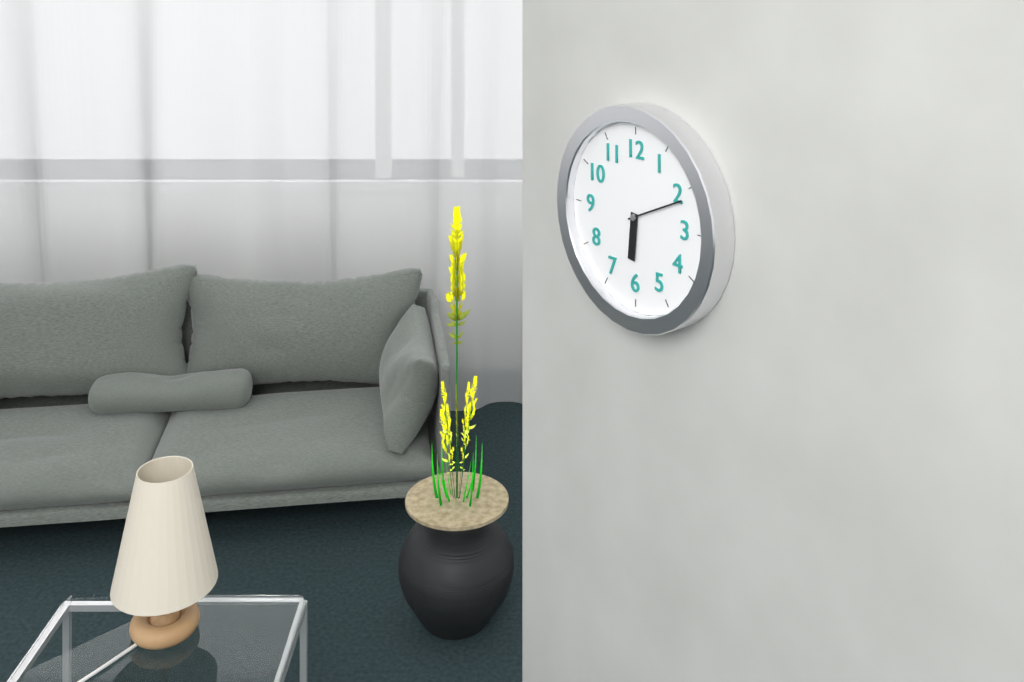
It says 6:11
